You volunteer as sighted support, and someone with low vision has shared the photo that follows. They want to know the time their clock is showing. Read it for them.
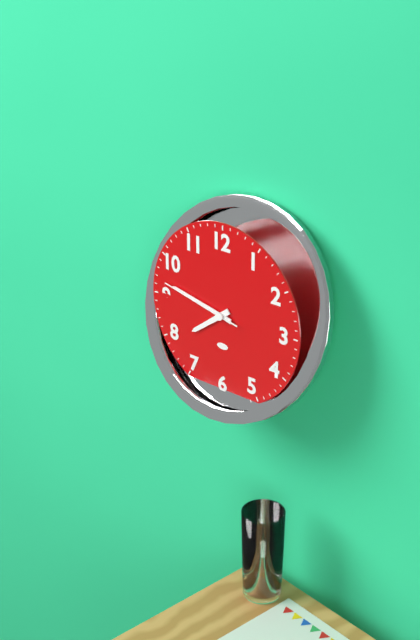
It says 7:47:47
